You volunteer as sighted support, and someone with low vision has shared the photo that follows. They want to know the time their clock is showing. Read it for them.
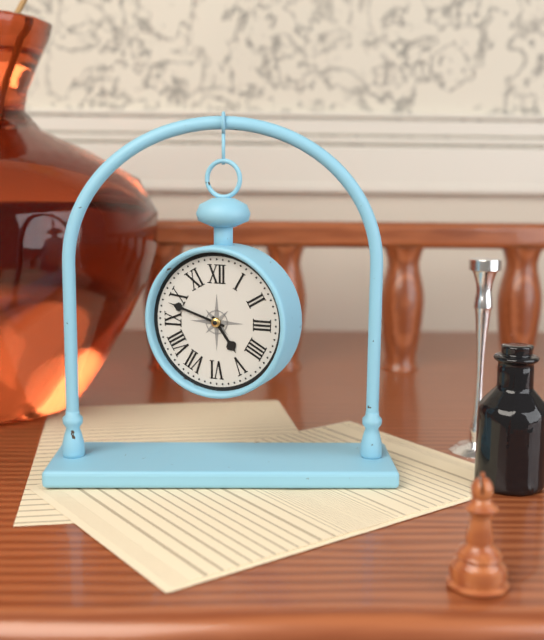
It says 4:48
